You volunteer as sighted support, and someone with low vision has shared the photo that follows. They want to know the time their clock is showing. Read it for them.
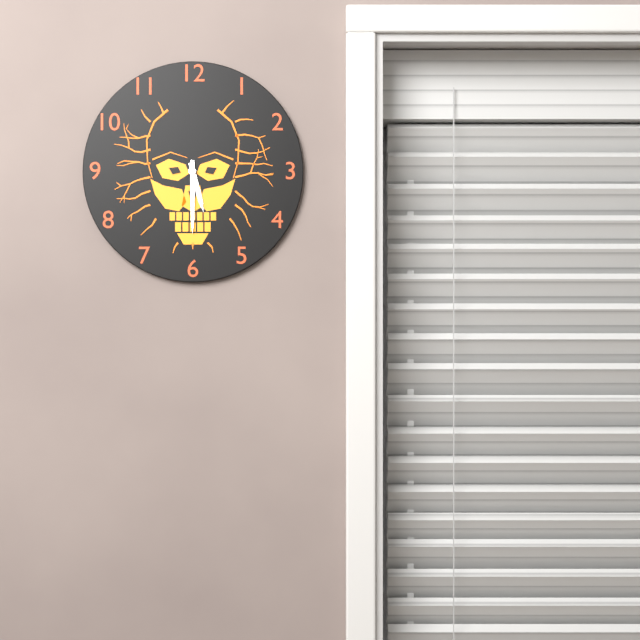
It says 5:30
